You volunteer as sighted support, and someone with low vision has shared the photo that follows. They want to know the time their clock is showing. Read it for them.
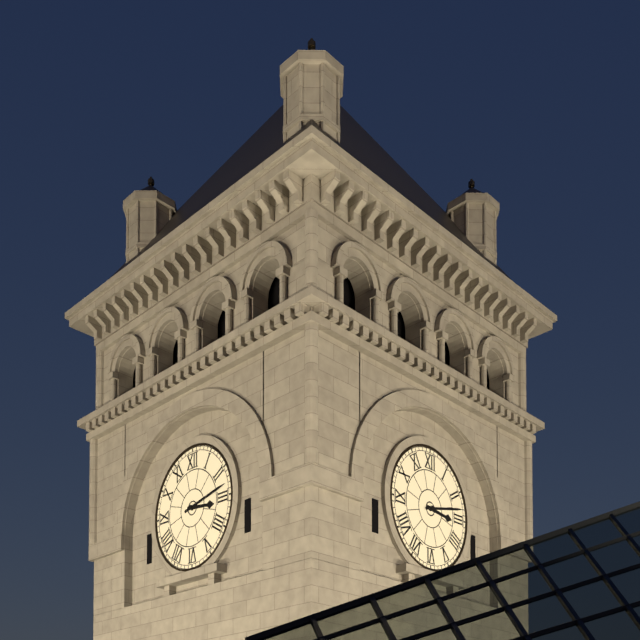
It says 3:13
